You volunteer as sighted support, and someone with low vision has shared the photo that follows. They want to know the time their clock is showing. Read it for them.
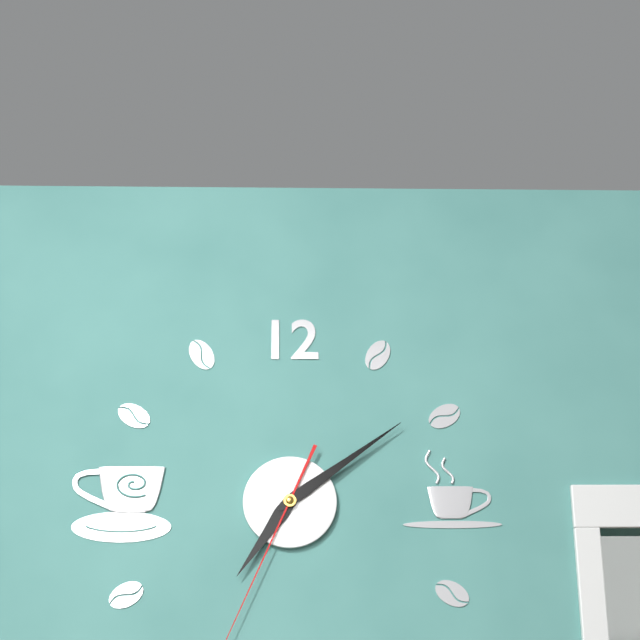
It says 7:09
